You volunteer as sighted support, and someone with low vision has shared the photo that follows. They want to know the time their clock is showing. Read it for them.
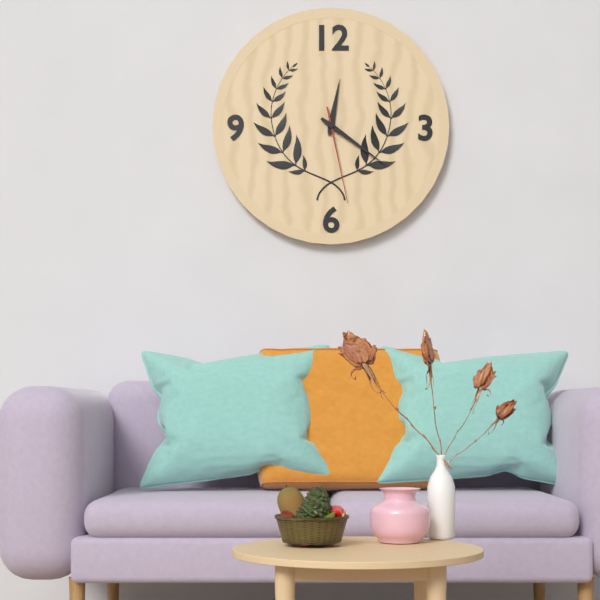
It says 12:21:28
